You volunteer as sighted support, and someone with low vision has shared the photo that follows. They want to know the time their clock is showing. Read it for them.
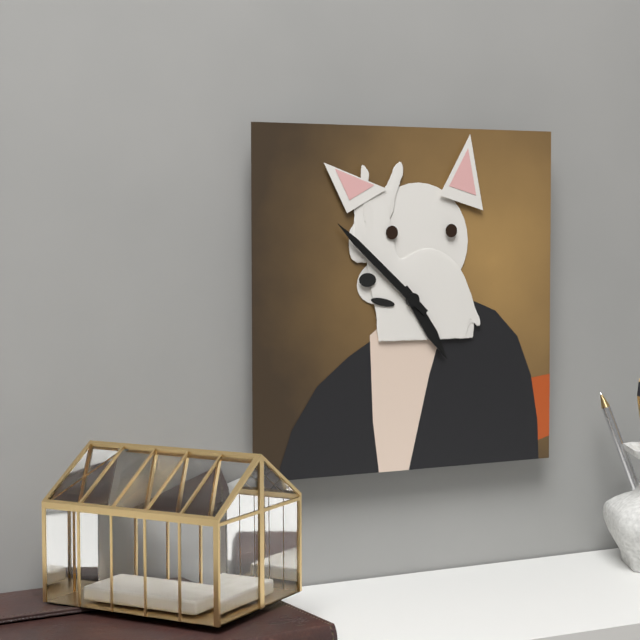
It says 4:52
